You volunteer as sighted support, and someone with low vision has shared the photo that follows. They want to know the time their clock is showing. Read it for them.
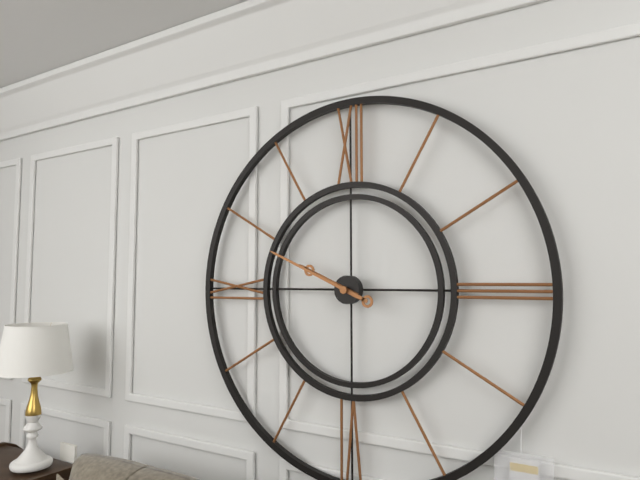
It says 9:49
